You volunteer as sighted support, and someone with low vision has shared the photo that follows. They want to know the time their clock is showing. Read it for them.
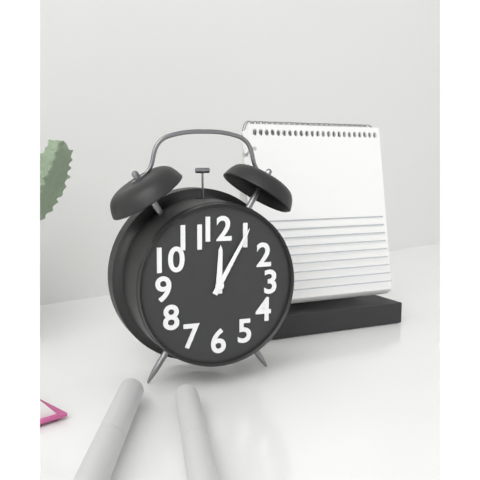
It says 12:05
